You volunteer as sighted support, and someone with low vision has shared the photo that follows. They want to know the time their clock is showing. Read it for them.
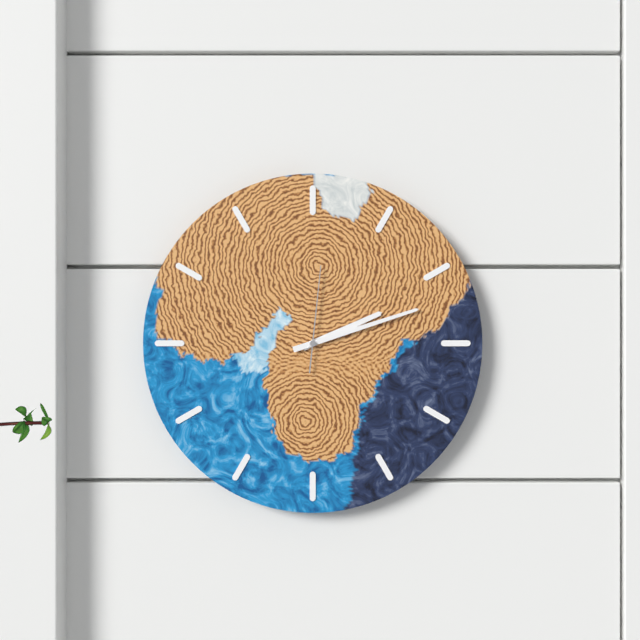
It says 2:12:01
